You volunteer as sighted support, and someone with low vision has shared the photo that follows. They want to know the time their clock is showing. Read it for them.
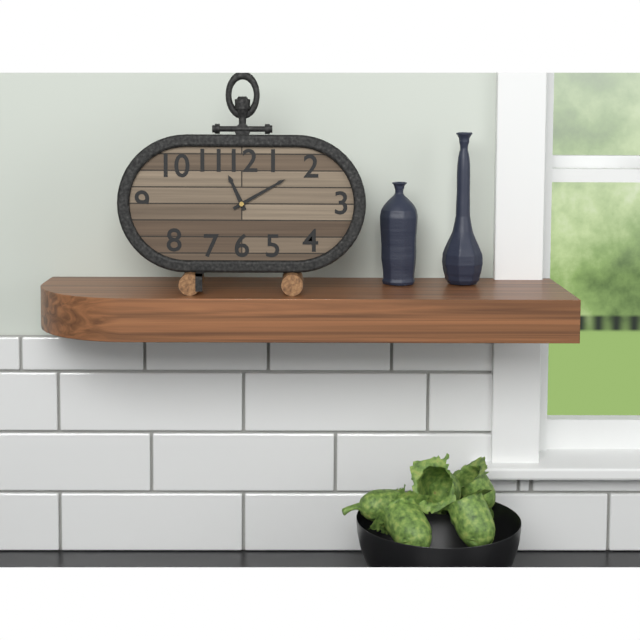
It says 11:10
